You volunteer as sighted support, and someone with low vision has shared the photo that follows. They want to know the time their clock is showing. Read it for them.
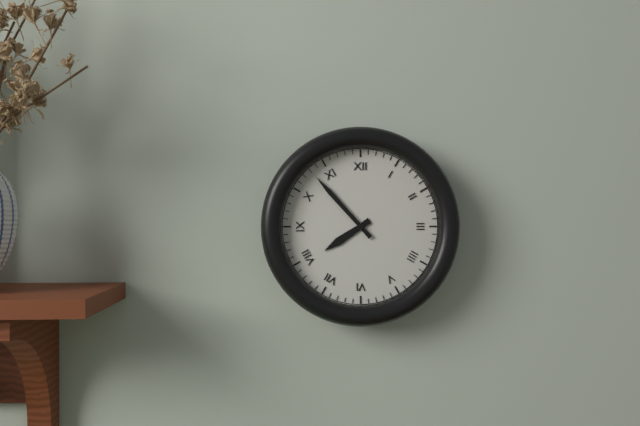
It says 7:53
